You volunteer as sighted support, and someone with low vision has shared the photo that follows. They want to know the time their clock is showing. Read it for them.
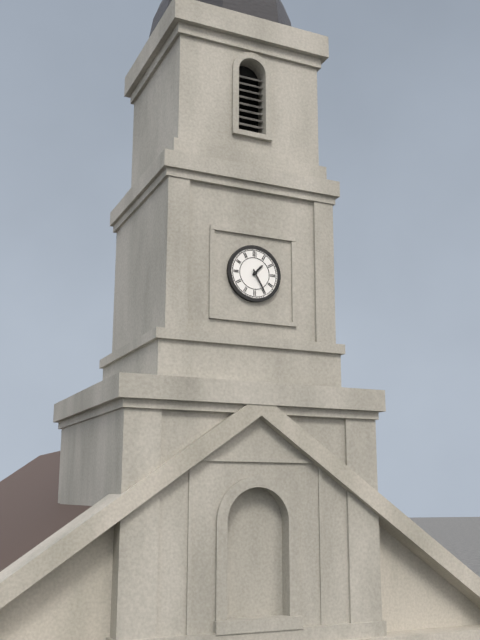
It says 1:25
